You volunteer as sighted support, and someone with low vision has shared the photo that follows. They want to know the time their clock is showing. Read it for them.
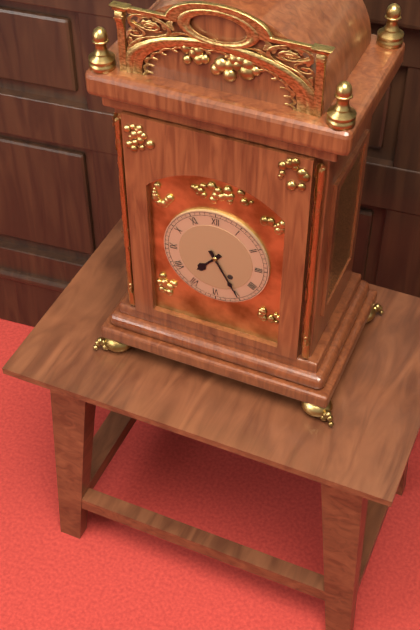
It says 7:25
